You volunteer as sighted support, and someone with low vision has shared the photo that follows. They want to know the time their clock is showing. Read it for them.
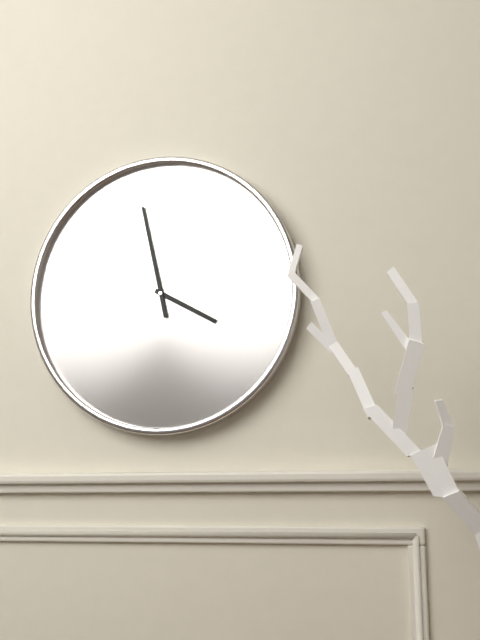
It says 3:58
